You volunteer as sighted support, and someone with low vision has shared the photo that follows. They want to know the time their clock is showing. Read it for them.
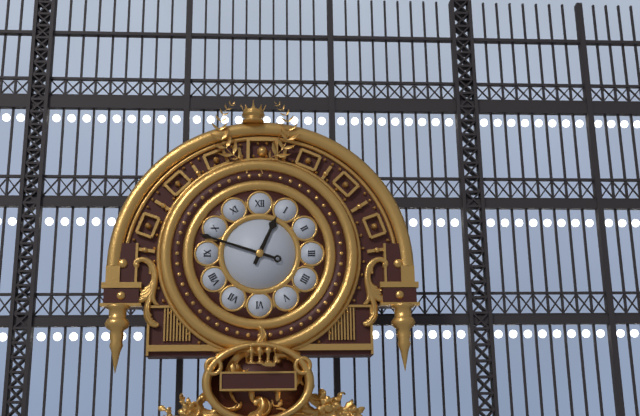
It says 12:48
